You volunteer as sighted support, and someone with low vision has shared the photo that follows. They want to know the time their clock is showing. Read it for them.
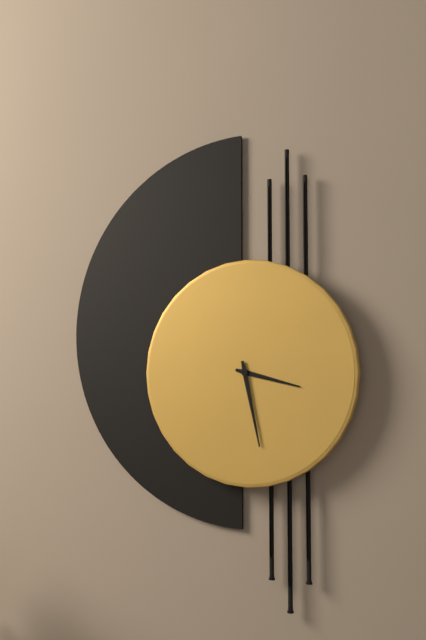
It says 3:28
